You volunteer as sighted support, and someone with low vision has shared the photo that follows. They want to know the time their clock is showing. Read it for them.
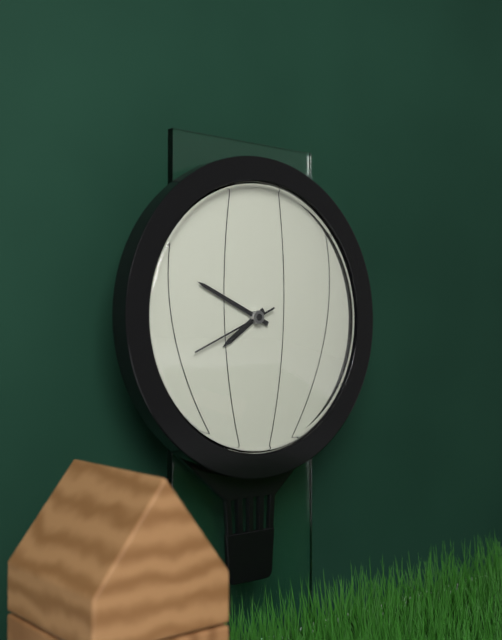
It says 7:49:41
